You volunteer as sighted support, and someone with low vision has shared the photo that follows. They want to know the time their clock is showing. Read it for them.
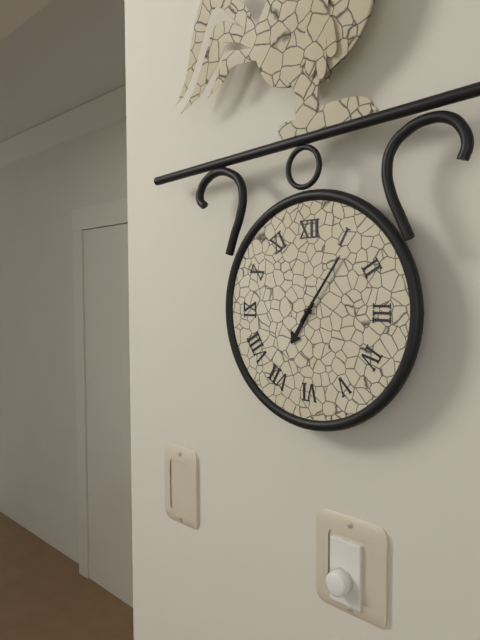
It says 7:06
